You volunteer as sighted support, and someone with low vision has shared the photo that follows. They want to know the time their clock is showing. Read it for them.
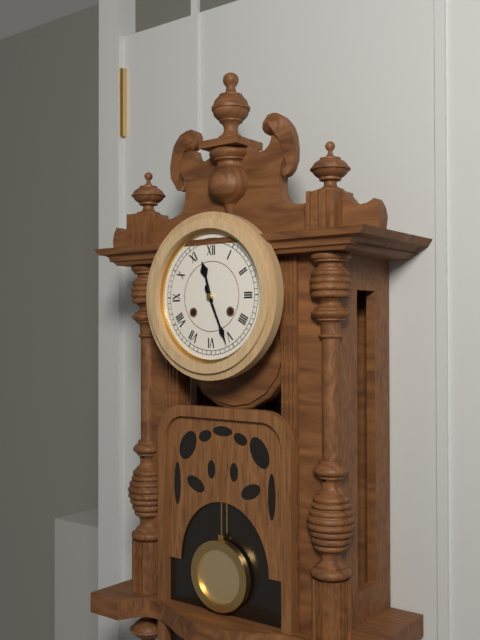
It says 11:26
